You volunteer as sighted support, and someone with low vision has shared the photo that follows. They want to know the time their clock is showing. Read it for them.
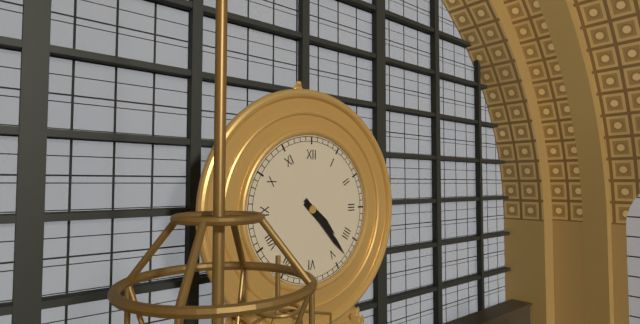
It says 4:23
